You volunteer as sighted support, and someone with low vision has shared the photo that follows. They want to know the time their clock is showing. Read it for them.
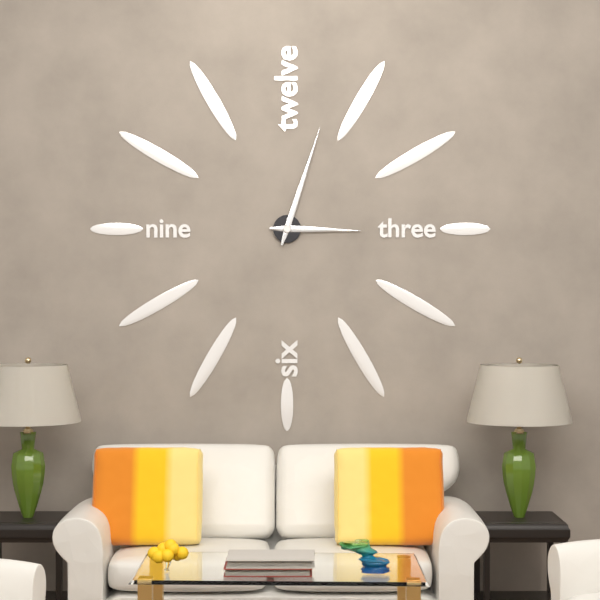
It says 3:03
